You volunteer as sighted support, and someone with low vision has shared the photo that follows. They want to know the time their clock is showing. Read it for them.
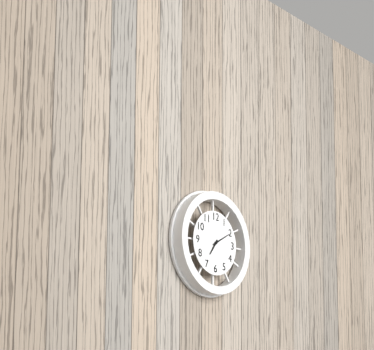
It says 7:10
